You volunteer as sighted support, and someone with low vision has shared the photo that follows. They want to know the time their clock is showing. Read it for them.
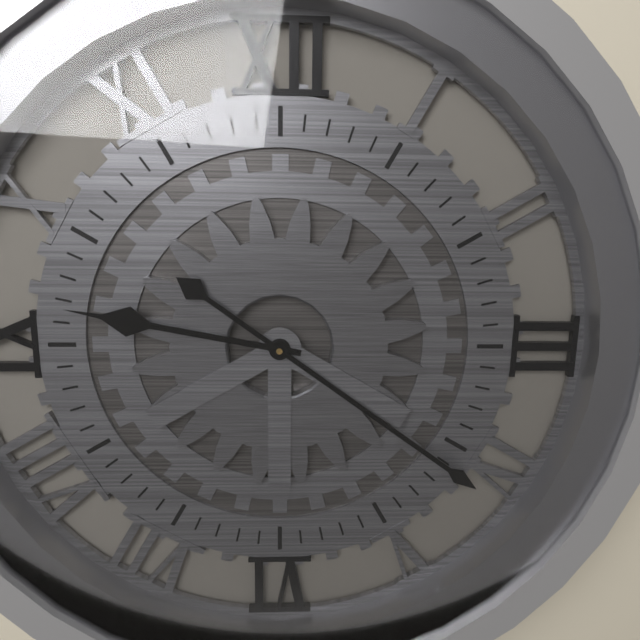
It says 9:21
